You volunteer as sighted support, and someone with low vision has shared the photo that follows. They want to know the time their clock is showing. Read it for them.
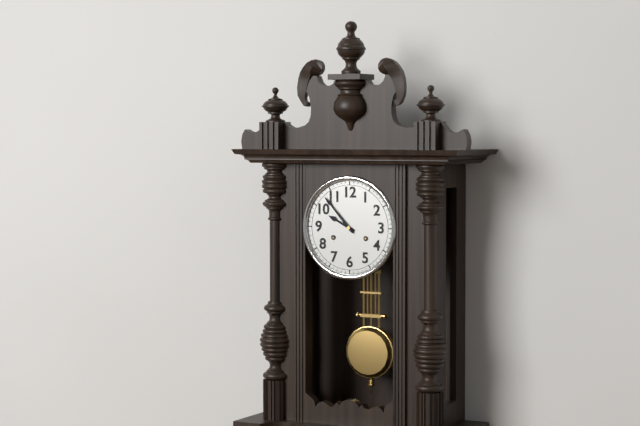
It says 9:53
